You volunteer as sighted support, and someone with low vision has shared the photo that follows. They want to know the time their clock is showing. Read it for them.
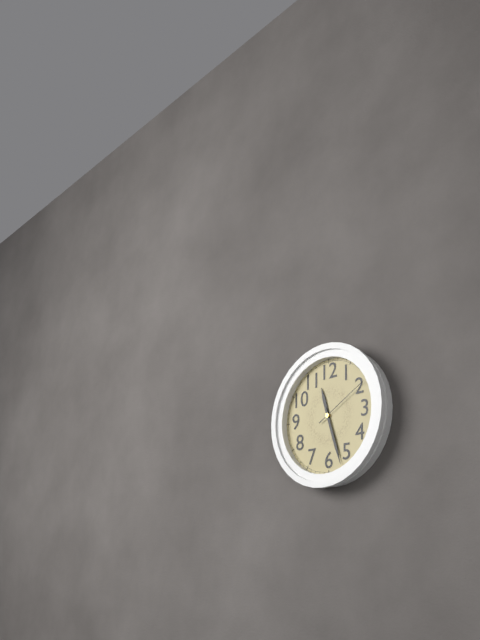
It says 11:27:10
